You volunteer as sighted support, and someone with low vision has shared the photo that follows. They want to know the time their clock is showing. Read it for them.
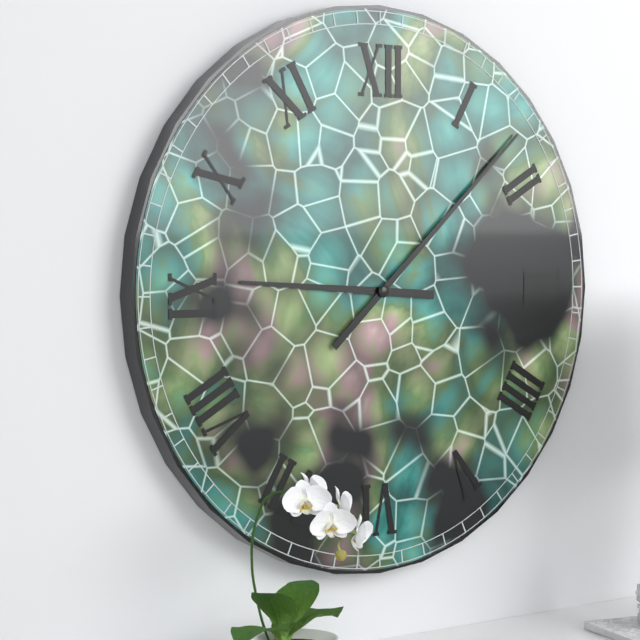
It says 9:08
